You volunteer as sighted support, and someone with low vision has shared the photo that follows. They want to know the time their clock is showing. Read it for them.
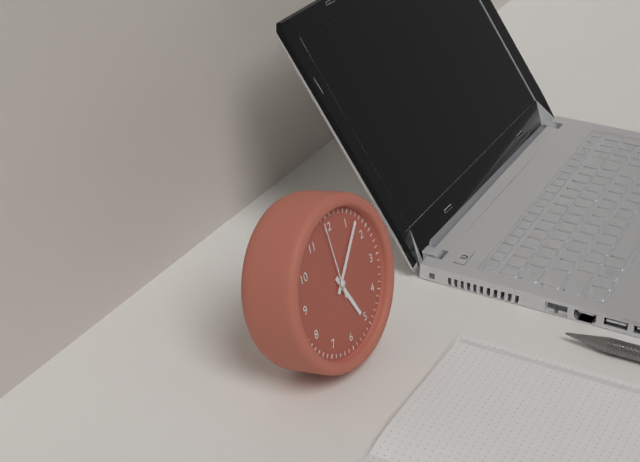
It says 5:07:59
